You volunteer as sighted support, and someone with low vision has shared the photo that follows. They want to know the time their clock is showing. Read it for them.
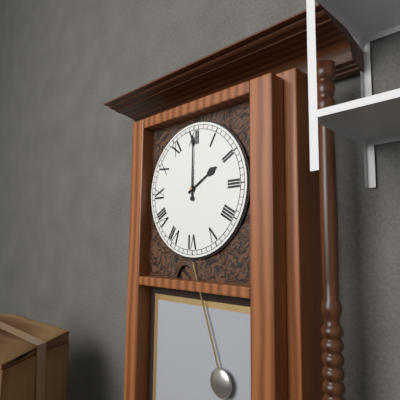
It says 2:00
